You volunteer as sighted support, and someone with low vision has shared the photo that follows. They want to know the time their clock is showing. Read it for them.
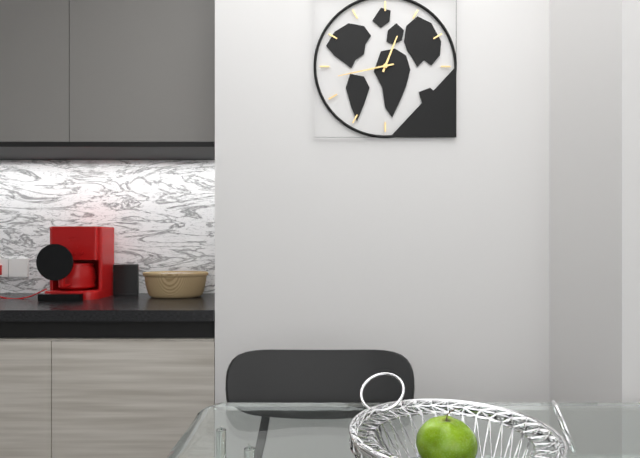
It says 12:43
